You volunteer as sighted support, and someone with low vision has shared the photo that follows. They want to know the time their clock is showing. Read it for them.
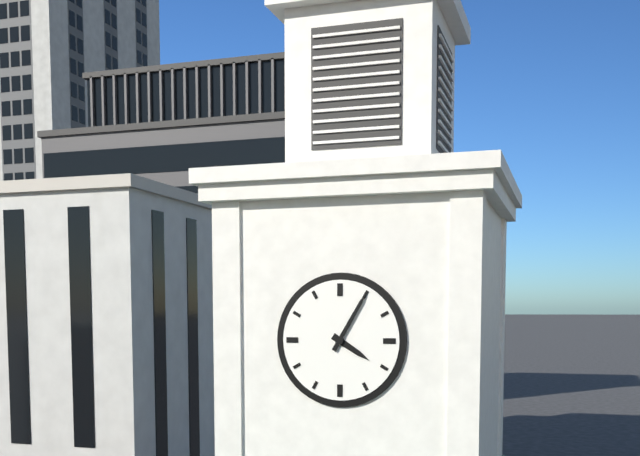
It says 4:05
